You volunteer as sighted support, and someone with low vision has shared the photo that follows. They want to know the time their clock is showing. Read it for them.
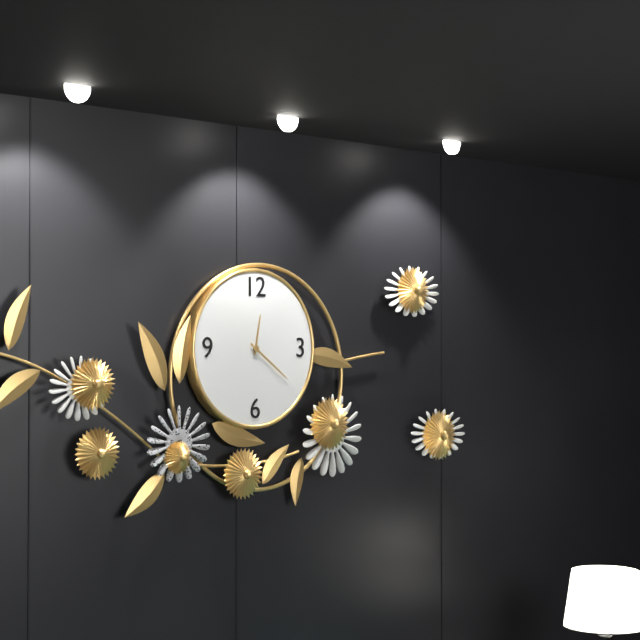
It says 12:21
